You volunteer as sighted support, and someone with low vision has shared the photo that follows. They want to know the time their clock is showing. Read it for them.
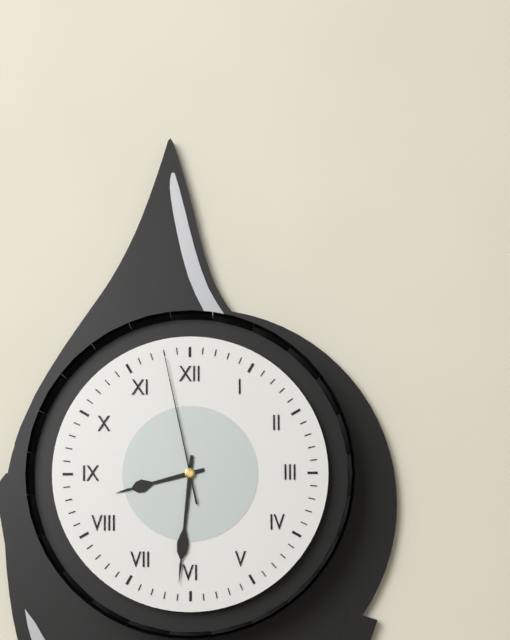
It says 8:31:58
